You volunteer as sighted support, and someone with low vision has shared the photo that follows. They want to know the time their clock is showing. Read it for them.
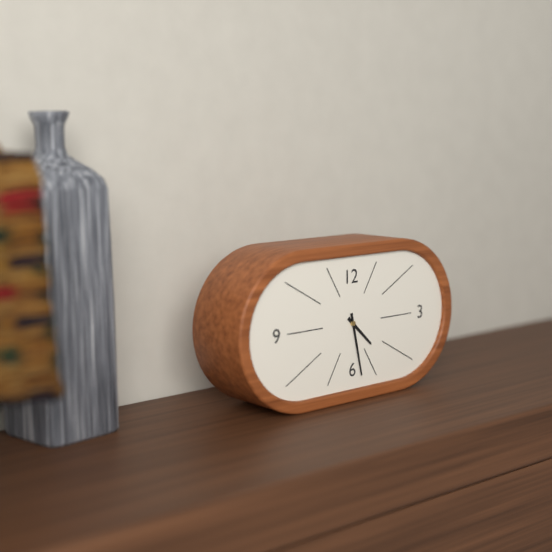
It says 4:28
